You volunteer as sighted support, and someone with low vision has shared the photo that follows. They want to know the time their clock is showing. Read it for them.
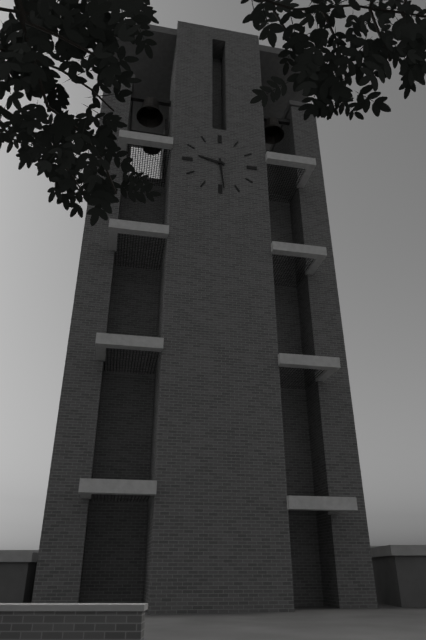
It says 9:29
